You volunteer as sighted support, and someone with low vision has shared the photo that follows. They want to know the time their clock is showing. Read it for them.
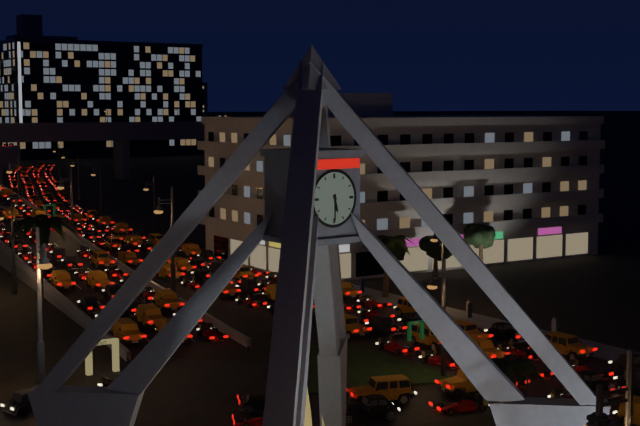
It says 5:30
